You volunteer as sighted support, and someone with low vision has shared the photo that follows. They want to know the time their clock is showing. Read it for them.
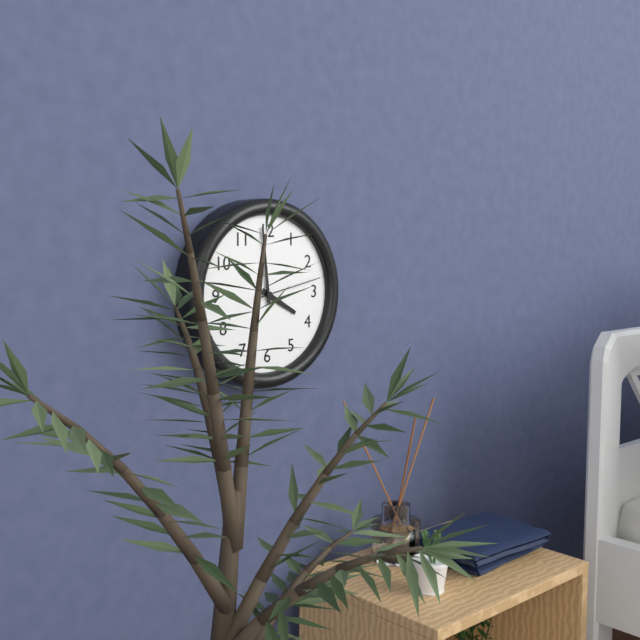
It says 3:59:13
